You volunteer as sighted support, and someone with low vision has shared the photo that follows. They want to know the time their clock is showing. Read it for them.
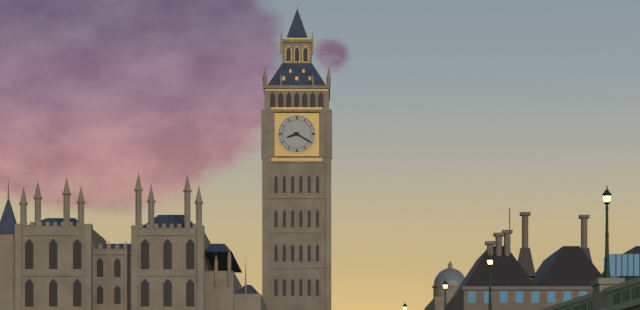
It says 8:20
